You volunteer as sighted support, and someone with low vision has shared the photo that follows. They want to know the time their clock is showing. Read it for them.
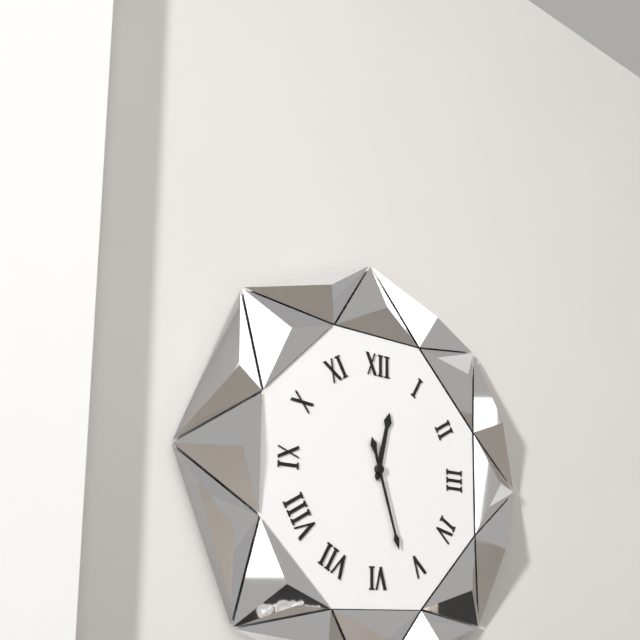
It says 12:27
